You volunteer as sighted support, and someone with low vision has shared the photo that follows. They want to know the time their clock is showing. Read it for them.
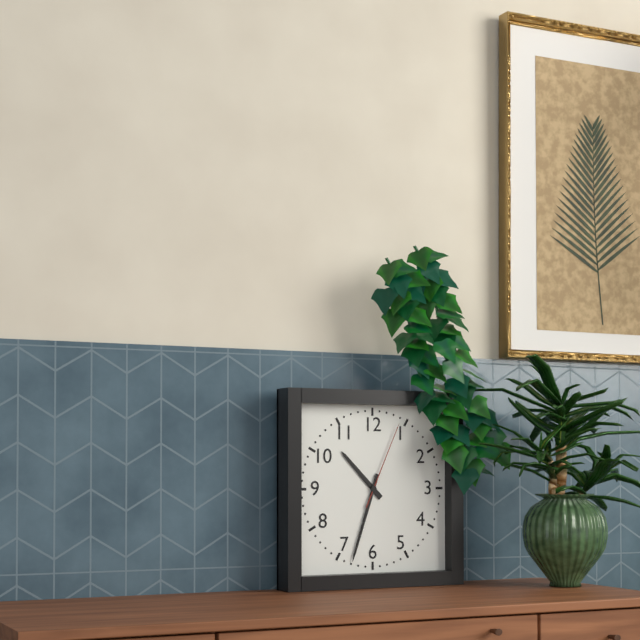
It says 10:33:04
